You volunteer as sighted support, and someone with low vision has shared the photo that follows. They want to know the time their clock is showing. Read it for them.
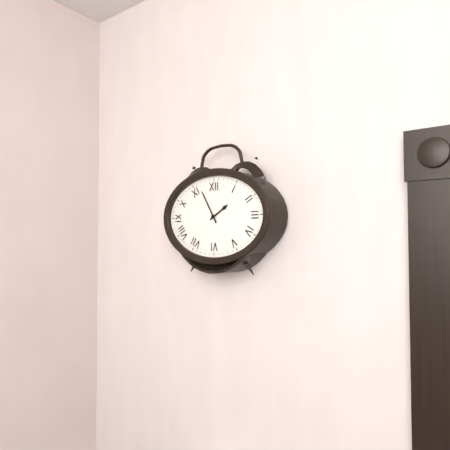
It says 1:55
